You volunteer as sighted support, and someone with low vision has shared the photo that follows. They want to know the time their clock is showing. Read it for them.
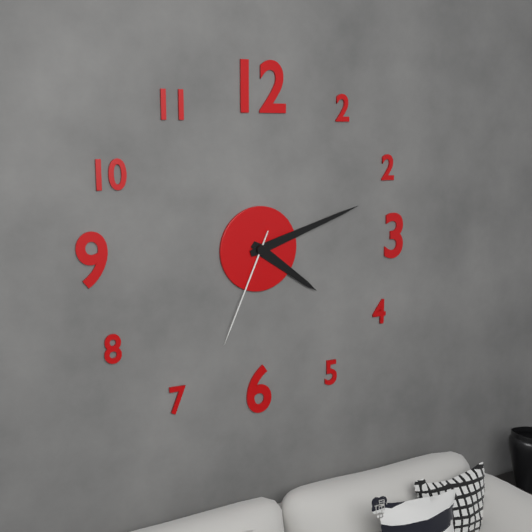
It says 4:12:34
